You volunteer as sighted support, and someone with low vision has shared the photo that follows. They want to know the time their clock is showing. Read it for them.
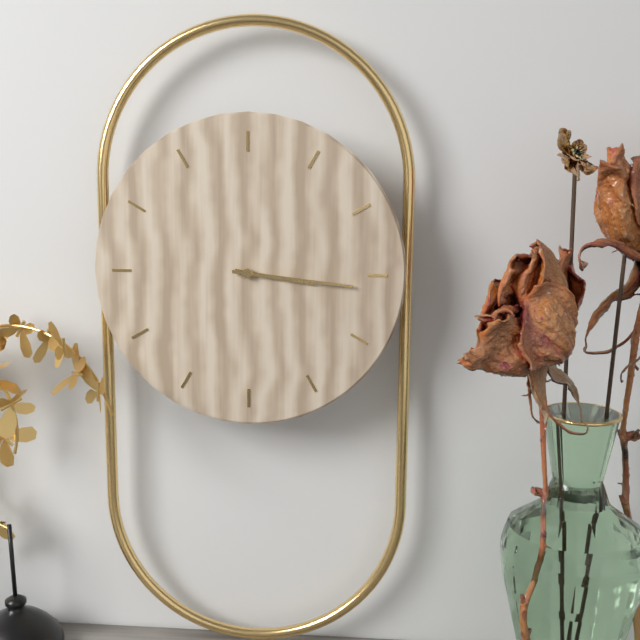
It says 3:16
